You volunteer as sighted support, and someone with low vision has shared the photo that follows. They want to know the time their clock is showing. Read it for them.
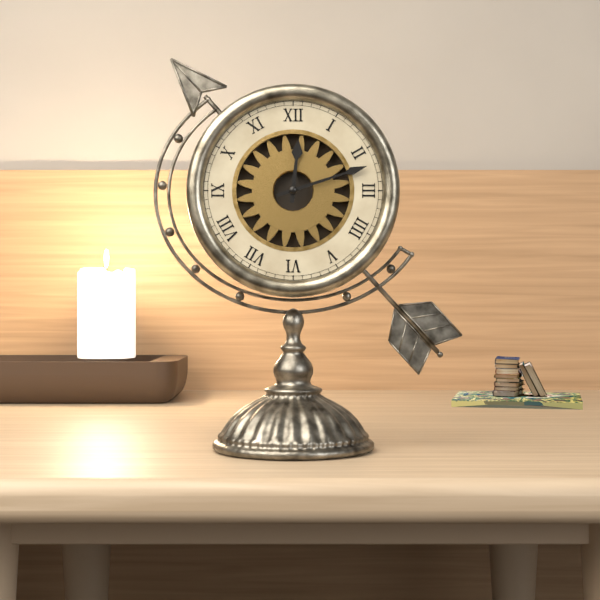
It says 12:12
